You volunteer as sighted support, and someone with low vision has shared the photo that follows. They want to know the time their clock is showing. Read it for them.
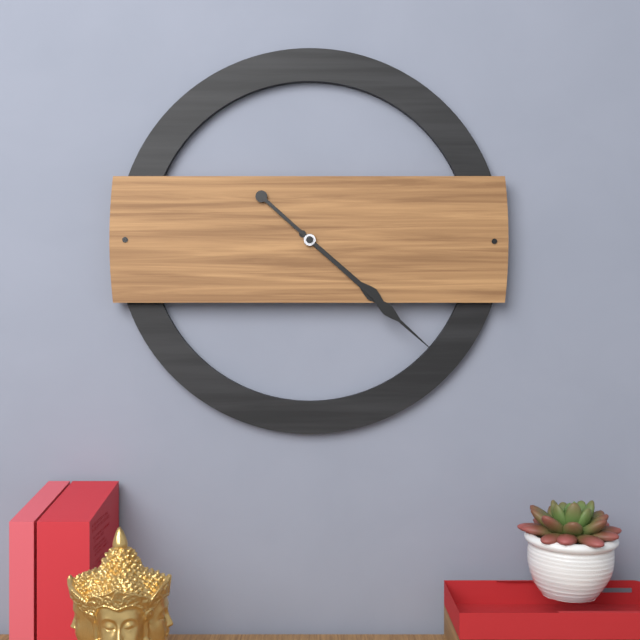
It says 4:22
